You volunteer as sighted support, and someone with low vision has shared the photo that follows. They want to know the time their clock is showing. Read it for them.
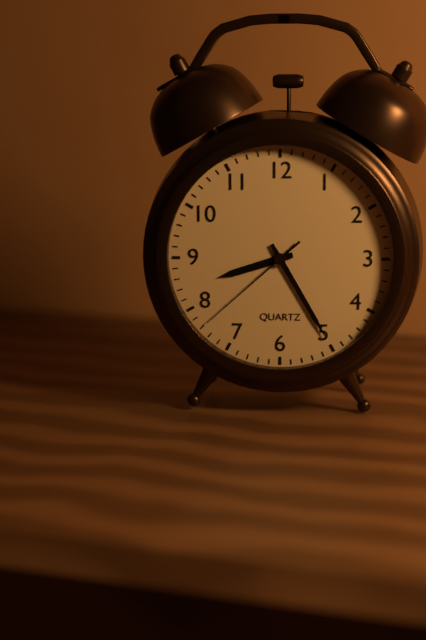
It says 8:25:38
